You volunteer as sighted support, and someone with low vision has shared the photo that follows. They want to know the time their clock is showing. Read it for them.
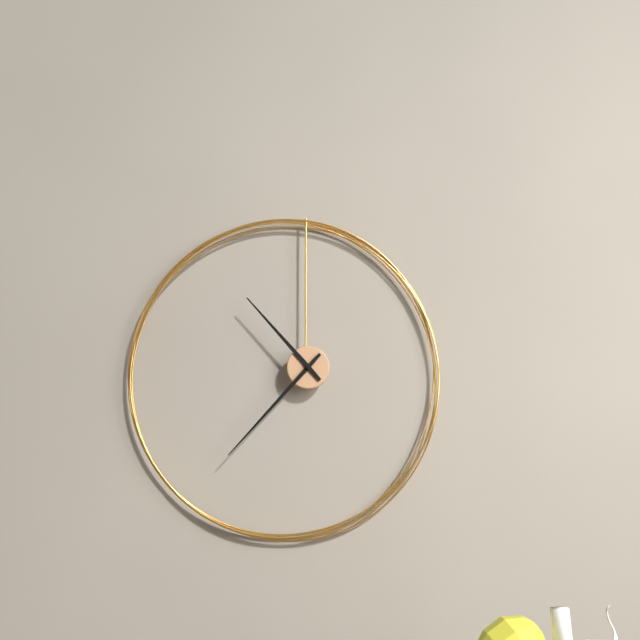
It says 10:37
